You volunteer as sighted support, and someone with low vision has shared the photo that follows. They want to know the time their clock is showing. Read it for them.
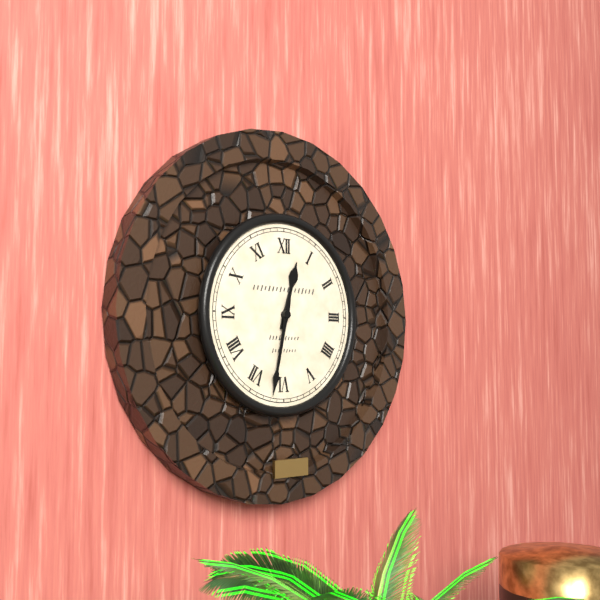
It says 12:32
